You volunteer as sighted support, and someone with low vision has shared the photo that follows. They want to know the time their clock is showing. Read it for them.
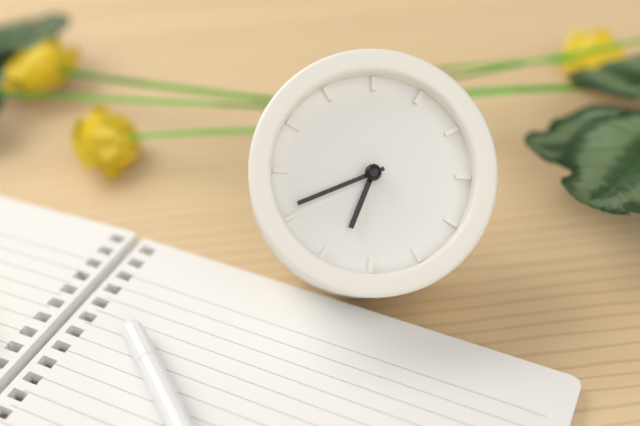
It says 6:41
